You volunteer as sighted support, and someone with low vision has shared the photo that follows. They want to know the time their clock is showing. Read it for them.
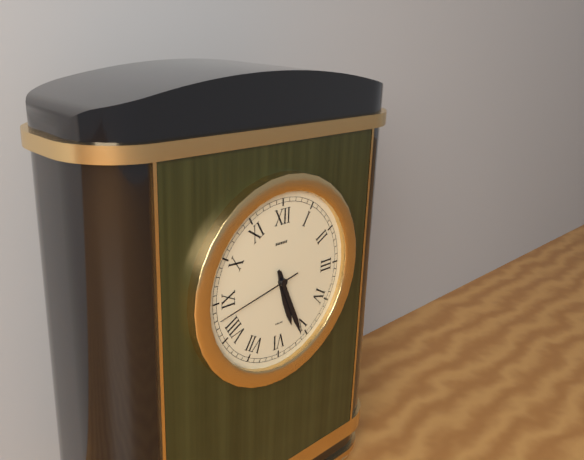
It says 5:26:43
